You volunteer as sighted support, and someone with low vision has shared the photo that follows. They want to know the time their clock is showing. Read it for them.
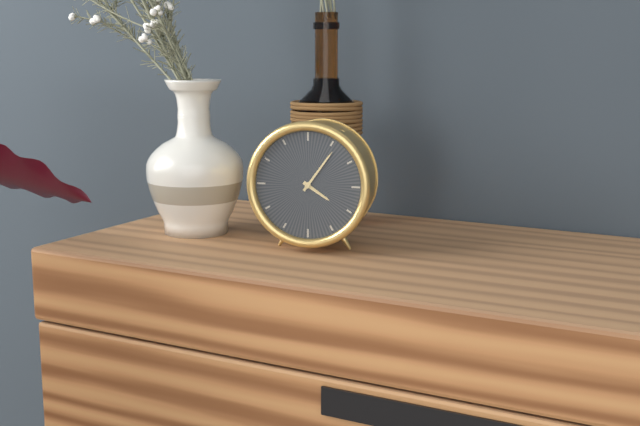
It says 4:06
